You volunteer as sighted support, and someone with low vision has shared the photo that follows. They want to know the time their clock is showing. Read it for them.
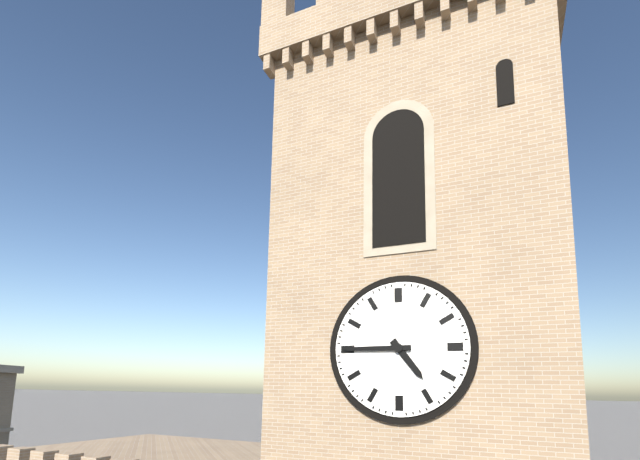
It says 4:45
